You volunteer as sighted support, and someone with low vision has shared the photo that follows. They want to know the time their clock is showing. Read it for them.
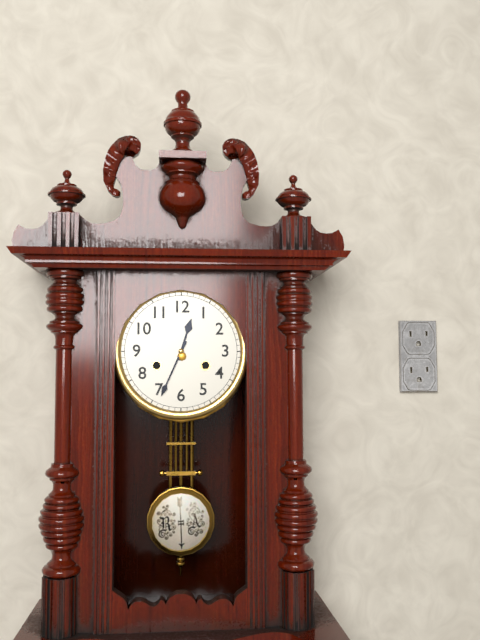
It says 12:34
